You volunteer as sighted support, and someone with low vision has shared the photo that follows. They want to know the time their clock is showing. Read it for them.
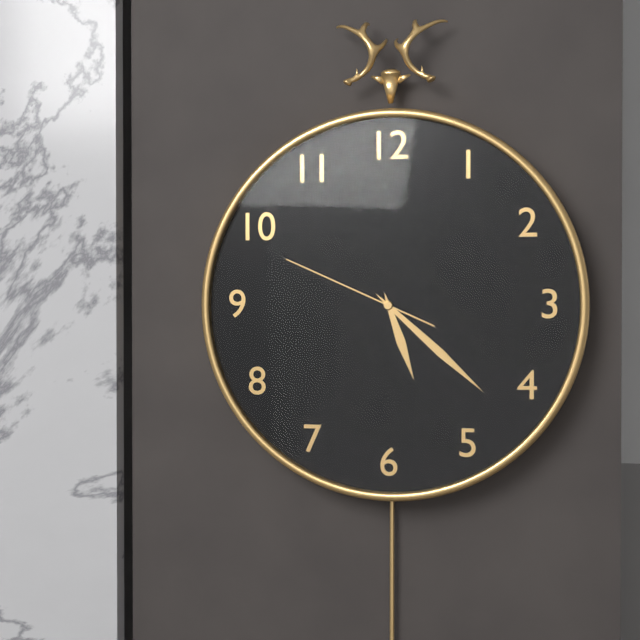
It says 5:22:49
